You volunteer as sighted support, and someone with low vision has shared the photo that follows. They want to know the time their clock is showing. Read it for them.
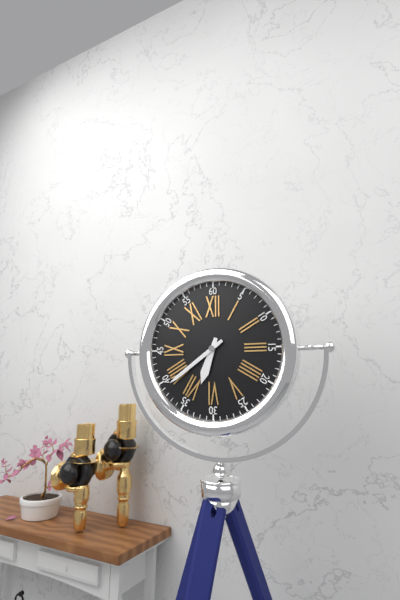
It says 6:39
